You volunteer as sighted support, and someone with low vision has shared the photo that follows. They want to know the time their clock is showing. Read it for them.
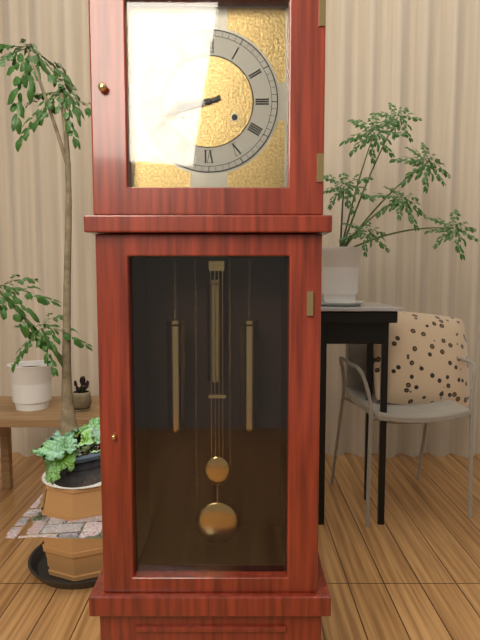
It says 8:42
